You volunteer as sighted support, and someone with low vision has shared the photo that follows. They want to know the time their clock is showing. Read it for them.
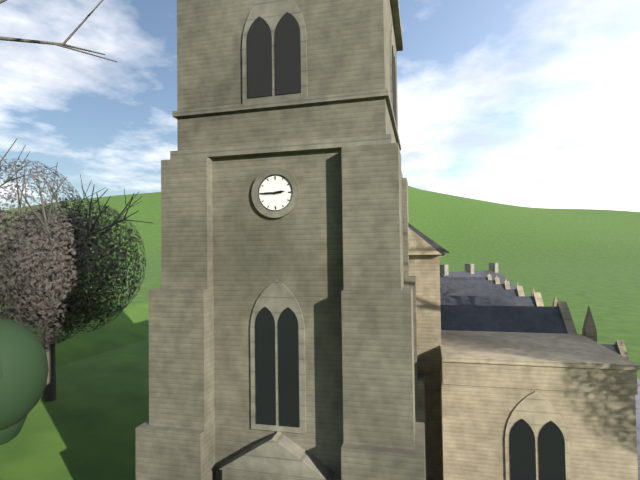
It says 2:45
